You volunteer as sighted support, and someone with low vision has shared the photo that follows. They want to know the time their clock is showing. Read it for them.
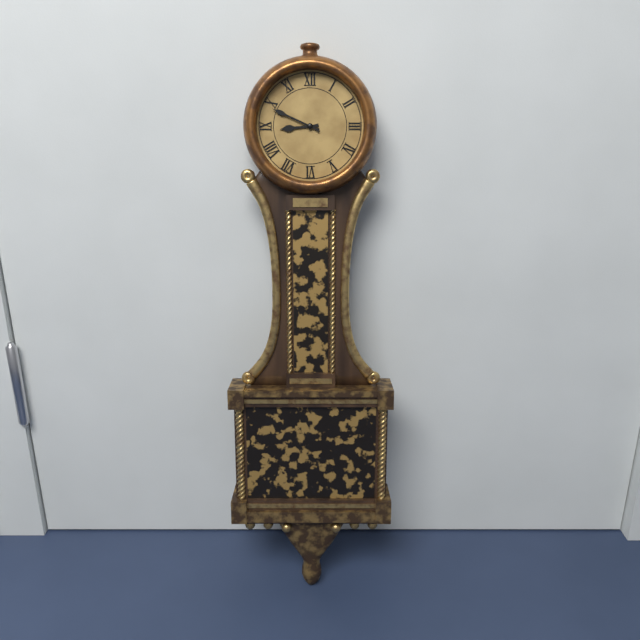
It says 8:49
